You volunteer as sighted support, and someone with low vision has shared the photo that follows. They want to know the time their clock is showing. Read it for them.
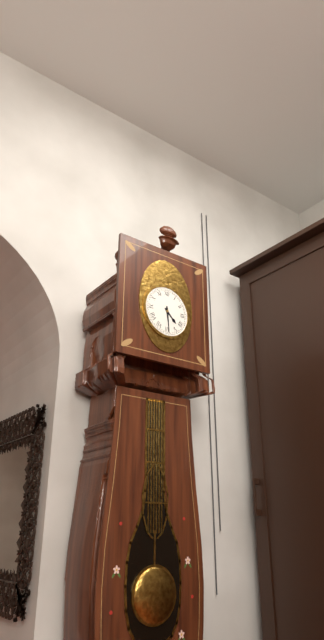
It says 4:29
